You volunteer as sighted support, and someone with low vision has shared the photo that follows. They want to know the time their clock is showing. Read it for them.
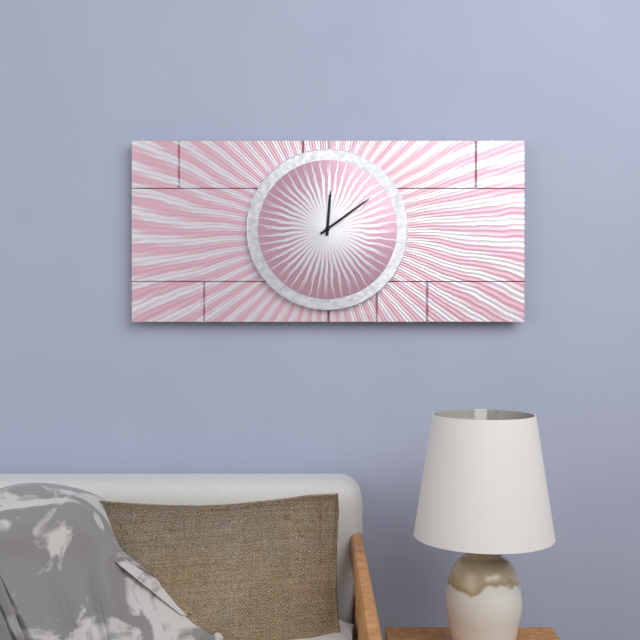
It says 12:09
